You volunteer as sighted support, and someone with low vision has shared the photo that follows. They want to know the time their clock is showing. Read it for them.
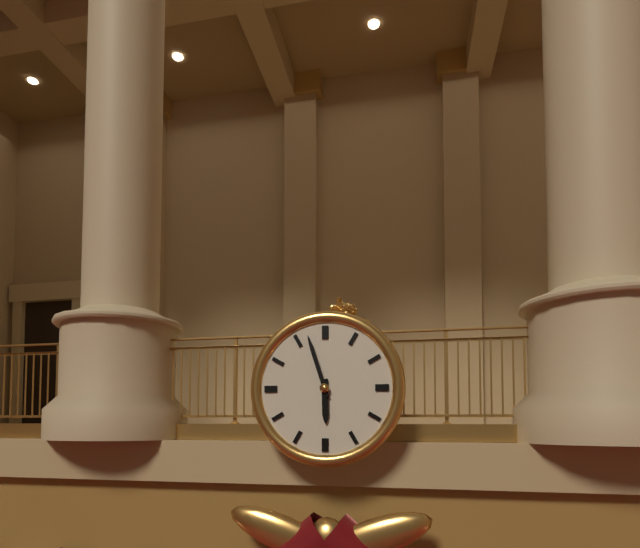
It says 5:57
